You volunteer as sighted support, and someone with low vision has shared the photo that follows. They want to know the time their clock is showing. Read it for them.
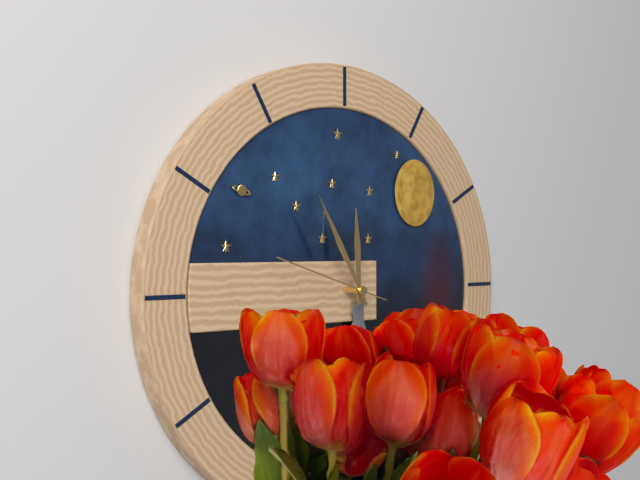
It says 11:55:48
